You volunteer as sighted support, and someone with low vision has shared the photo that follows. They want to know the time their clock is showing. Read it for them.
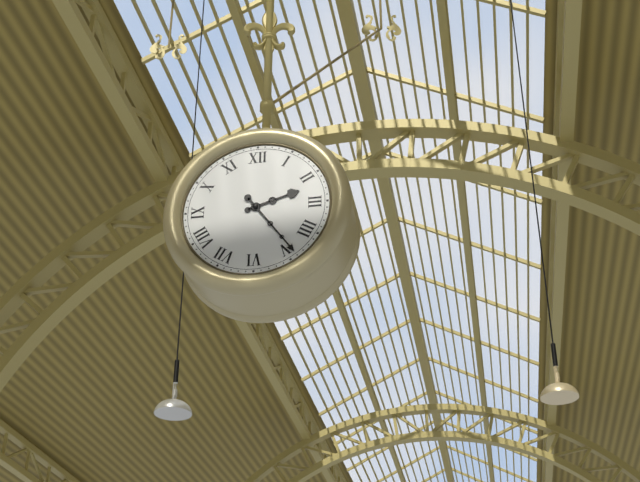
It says 2:24
